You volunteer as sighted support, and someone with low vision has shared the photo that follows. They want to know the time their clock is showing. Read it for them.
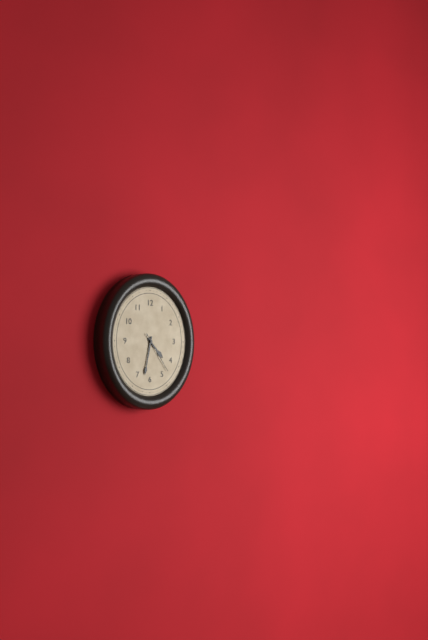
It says 4:32
